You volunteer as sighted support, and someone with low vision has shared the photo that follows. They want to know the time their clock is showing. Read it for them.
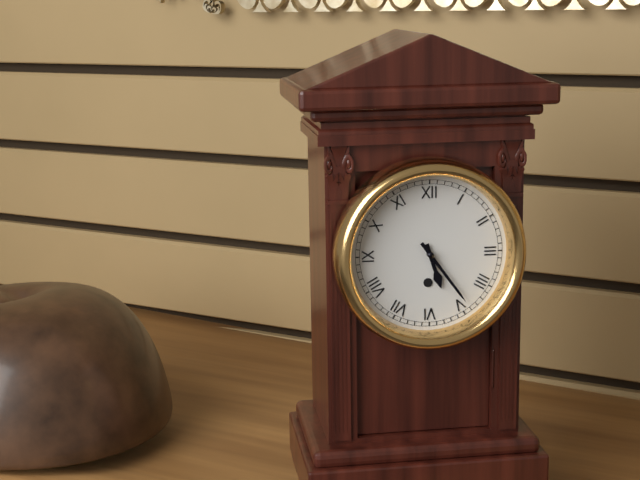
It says 5:24
